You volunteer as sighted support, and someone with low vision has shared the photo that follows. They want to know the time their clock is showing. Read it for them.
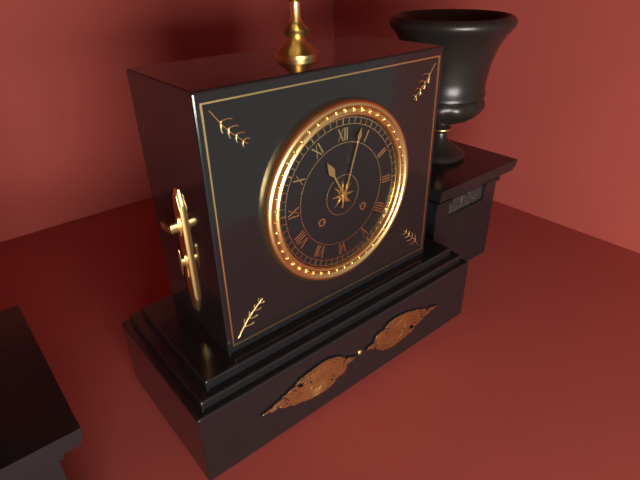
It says 11:03
